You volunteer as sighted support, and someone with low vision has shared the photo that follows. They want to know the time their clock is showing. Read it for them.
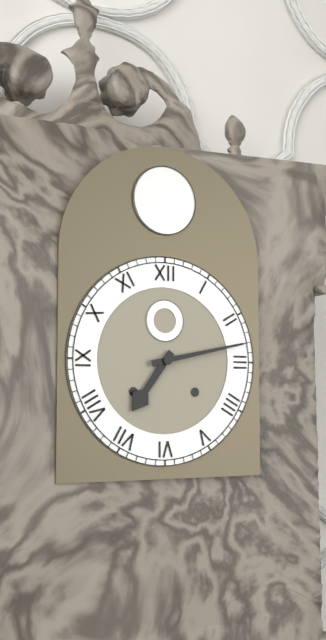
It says 7:13
